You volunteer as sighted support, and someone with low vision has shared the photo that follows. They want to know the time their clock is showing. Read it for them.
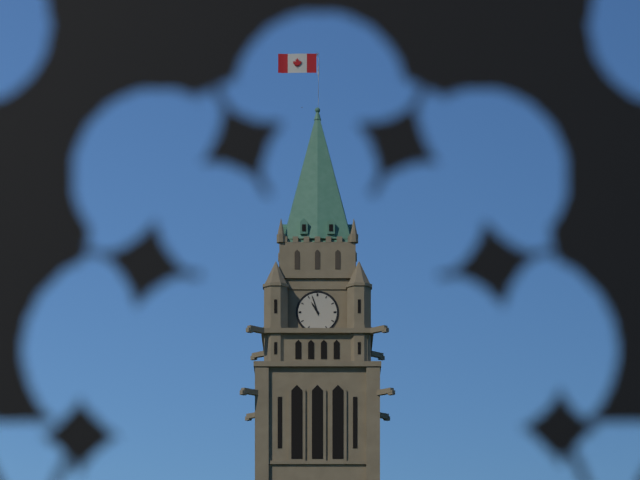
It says 10:57
